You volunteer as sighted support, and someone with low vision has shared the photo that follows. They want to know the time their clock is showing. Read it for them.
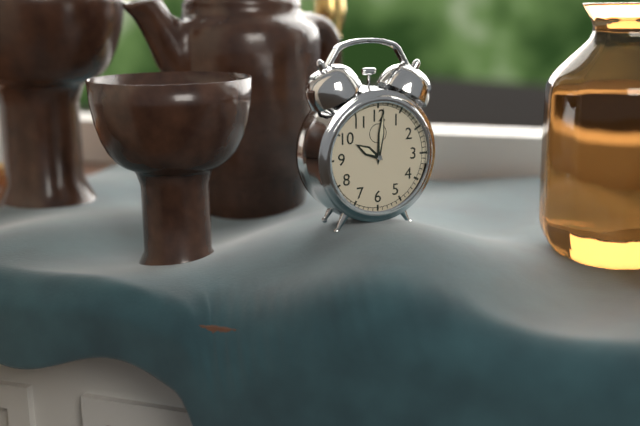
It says 10:01
